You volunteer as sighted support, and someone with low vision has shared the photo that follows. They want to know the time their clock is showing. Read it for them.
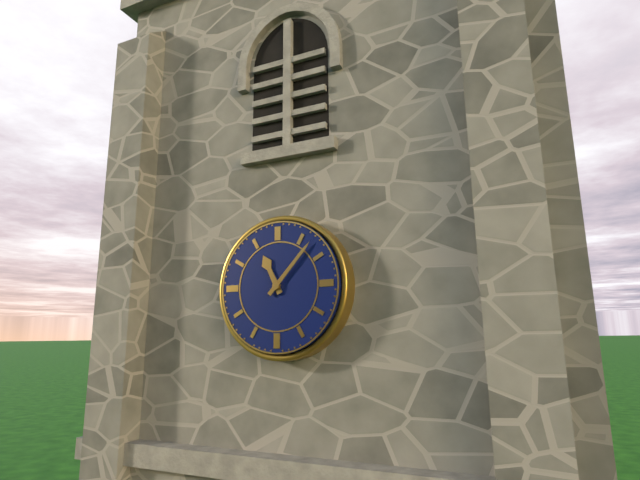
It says 11:07
